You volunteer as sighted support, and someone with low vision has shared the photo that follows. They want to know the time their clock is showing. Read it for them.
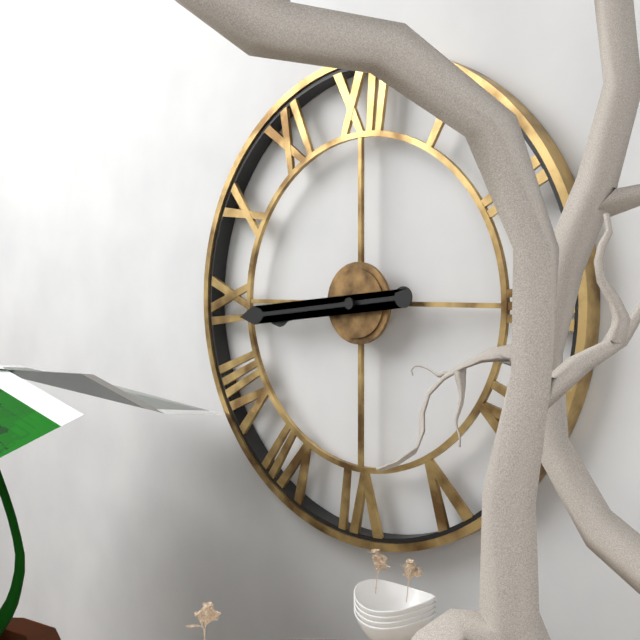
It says 8:44
